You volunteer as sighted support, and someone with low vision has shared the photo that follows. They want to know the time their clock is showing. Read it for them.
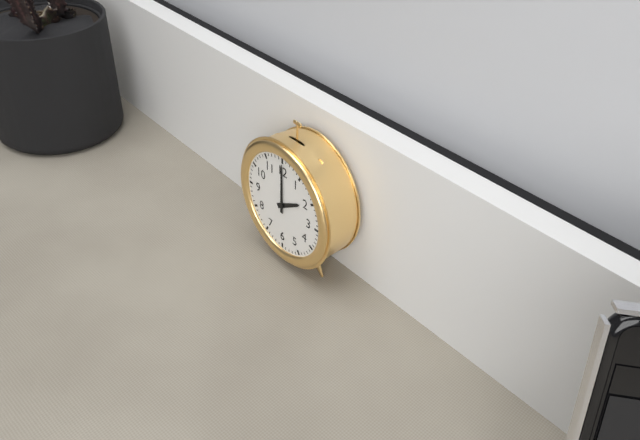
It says 2:00
